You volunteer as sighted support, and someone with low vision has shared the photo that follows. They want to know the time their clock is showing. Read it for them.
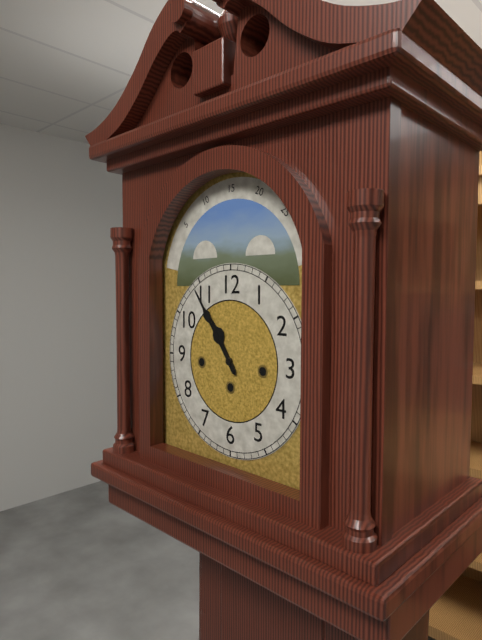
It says 10:54
